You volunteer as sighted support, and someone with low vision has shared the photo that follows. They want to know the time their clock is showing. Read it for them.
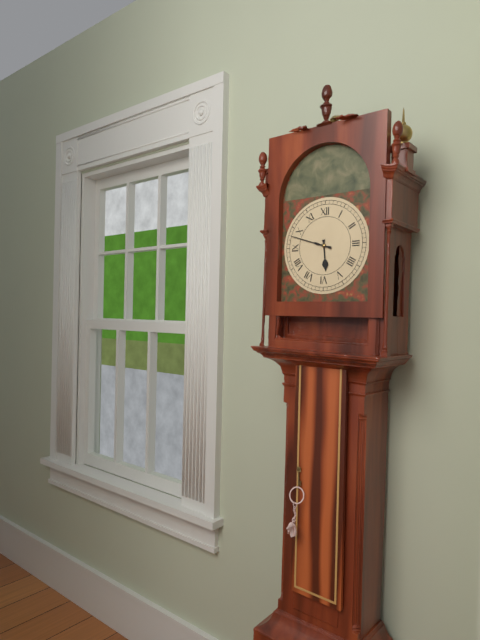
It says 5:48
